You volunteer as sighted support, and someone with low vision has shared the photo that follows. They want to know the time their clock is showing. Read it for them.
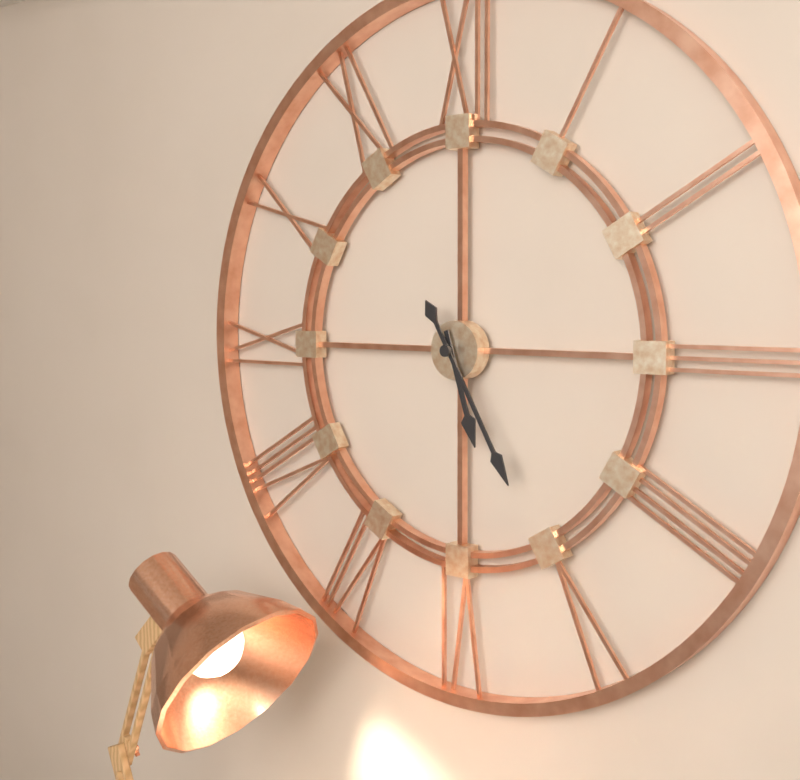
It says 5:25
